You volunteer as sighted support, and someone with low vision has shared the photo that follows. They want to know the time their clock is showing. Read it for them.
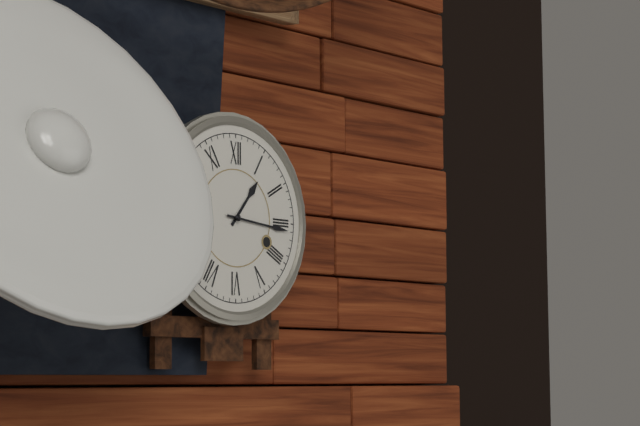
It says 1:16
